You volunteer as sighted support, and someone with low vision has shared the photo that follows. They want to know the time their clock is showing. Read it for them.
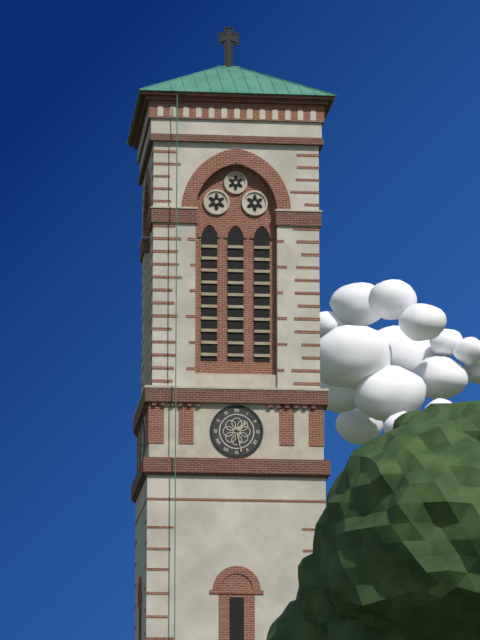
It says 1:28
